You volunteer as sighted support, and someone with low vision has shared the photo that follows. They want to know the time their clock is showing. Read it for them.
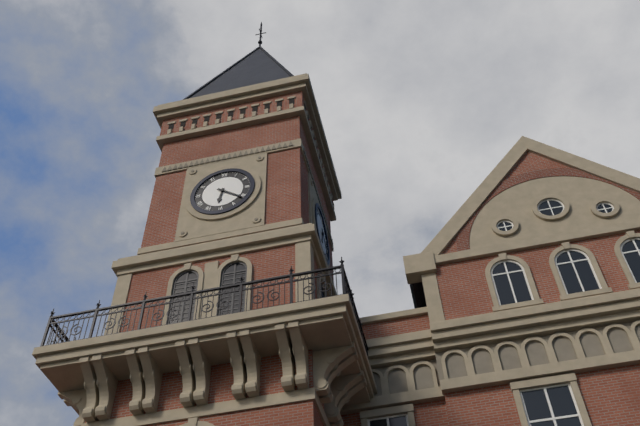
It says 6:21
